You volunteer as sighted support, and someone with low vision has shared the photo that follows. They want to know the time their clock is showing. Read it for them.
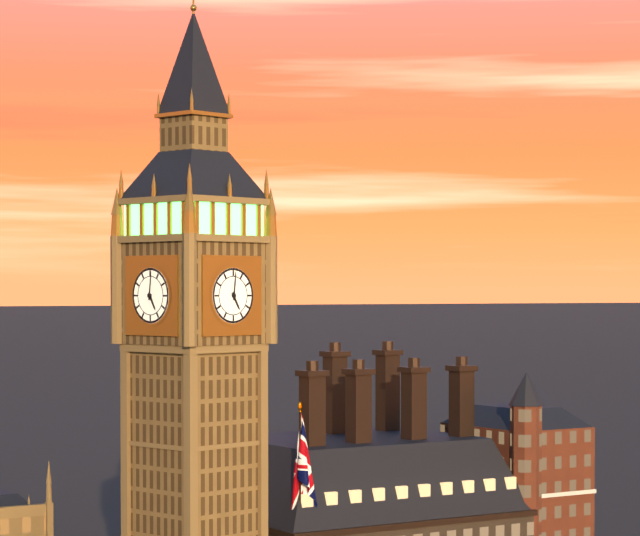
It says 5:01
